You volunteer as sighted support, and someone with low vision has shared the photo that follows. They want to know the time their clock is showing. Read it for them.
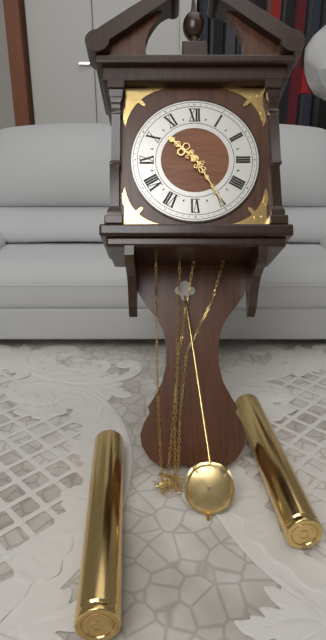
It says 10:25
